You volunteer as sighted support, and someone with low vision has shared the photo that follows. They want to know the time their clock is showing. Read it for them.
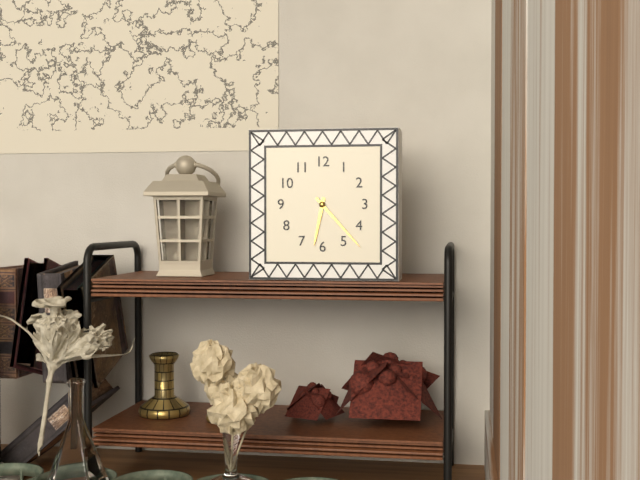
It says 6:23
